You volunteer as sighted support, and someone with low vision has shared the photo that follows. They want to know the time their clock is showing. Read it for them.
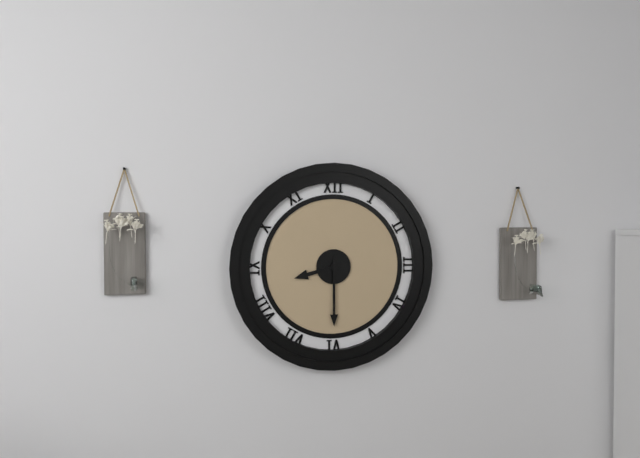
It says 8:30
